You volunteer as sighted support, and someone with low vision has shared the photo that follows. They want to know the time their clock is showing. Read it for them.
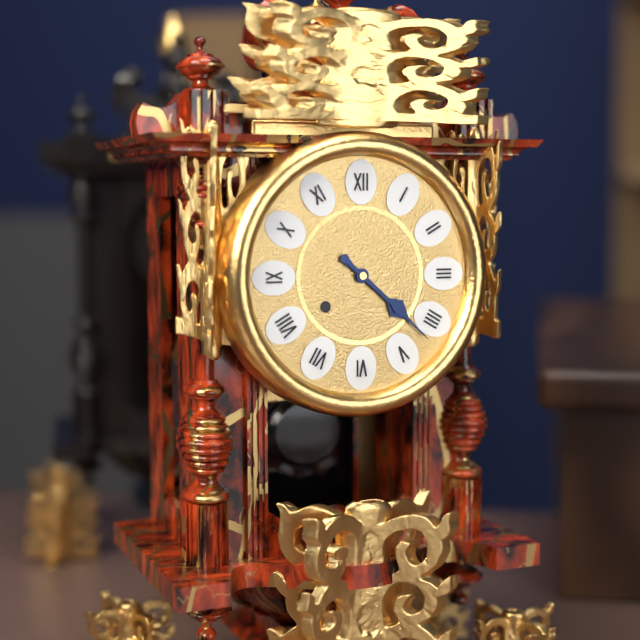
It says 4:22
